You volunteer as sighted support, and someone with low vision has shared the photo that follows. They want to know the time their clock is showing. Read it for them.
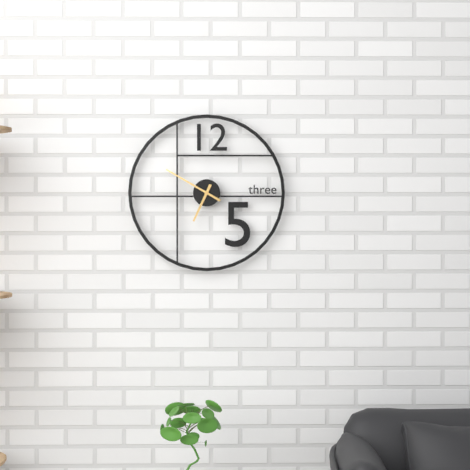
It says 6:50
